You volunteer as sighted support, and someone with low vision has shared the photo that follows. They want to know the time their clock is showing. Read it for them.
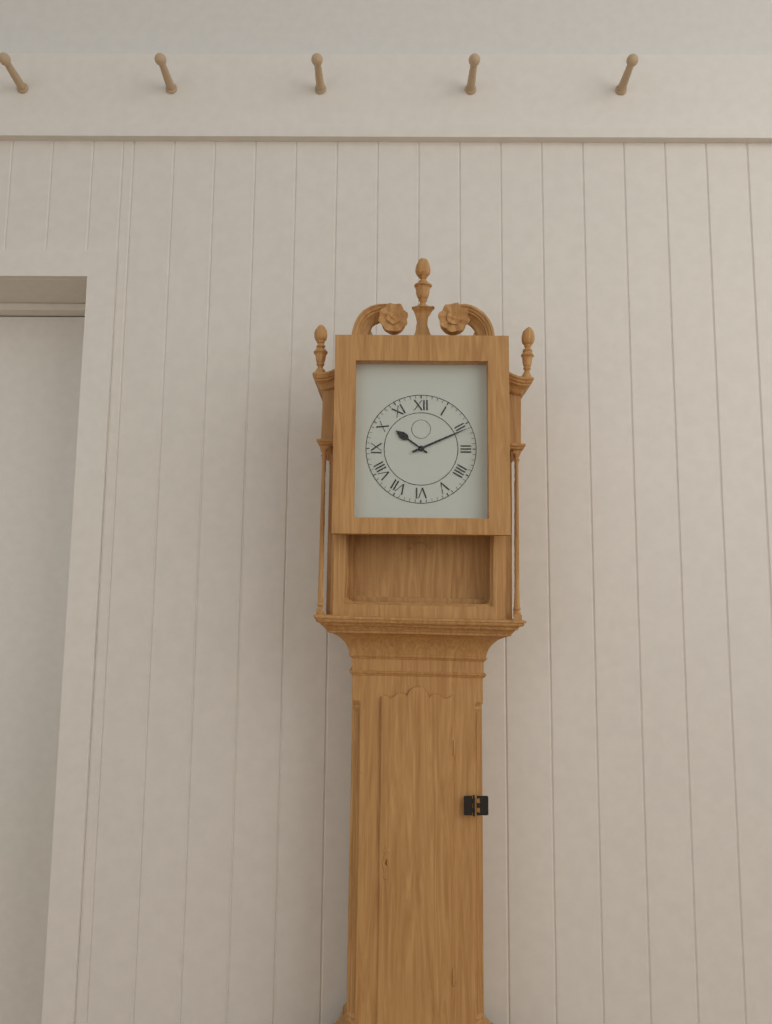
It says 10:11
